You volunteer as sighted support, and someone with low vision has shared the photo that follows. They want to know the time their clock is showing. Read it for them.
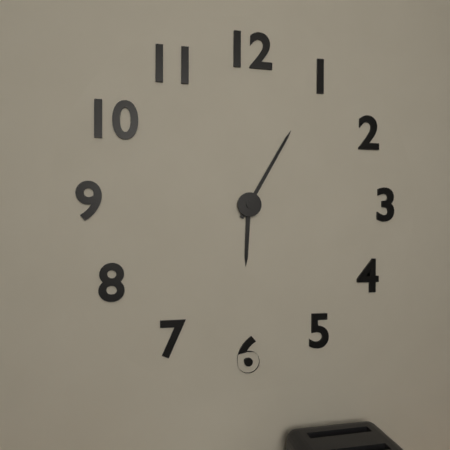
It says 6:05
